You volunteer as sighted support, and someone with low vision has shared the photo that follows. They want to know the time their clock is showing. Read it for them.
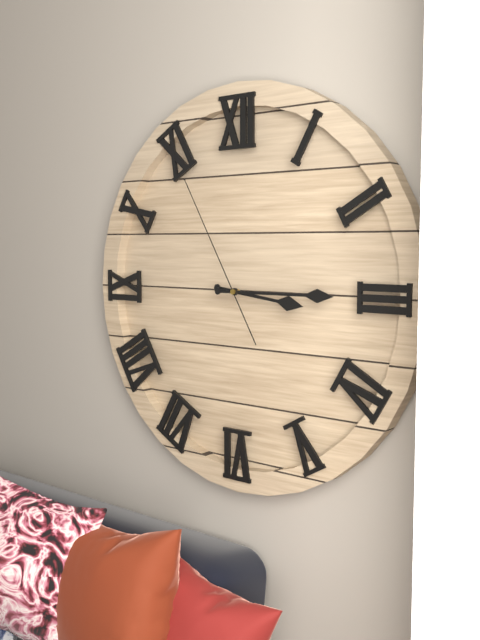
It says 3:15:55
